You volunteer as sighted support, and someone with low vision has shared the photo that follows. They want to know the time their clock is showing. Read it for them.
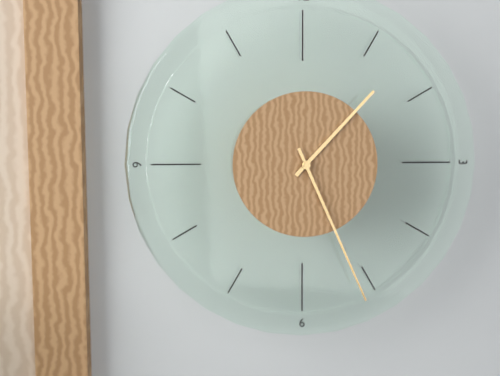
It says 1:26
